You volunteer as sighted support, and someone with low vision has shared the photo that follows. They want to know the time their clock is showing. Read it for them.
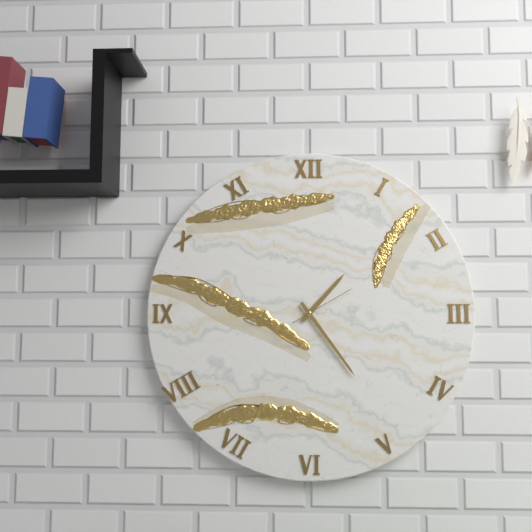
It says 1:24:10
